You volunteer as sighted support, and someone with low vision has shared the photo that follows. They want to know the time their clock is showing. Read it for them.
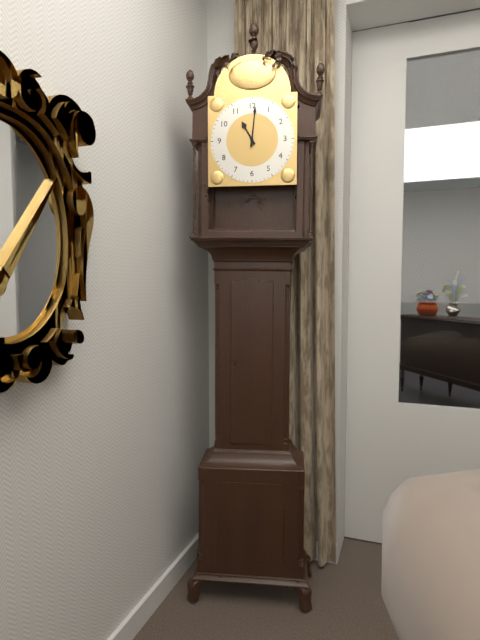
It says 11:01
